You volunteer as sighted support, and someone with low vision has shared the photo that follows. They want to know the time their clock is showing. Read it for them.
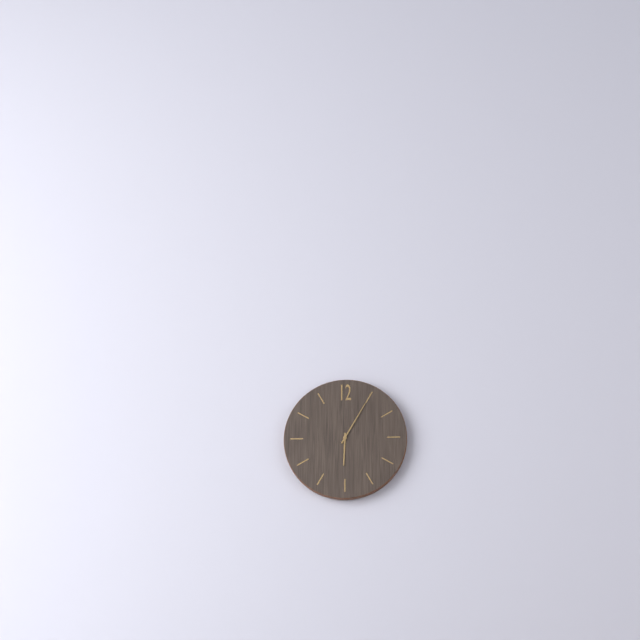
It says 6:05
